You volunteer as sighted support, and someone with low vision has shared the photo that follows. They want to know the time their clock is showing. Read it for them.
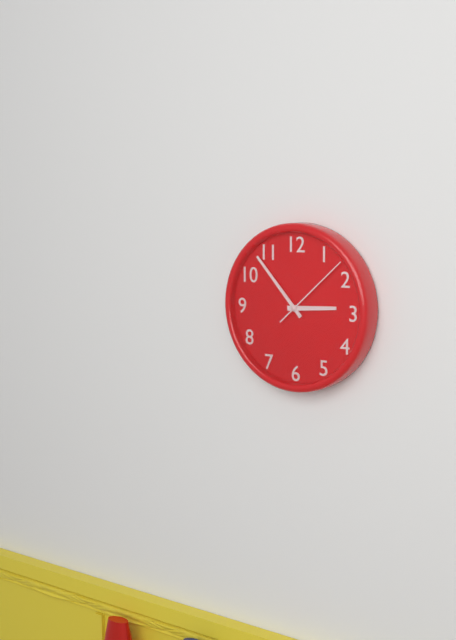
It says 2:53:08
